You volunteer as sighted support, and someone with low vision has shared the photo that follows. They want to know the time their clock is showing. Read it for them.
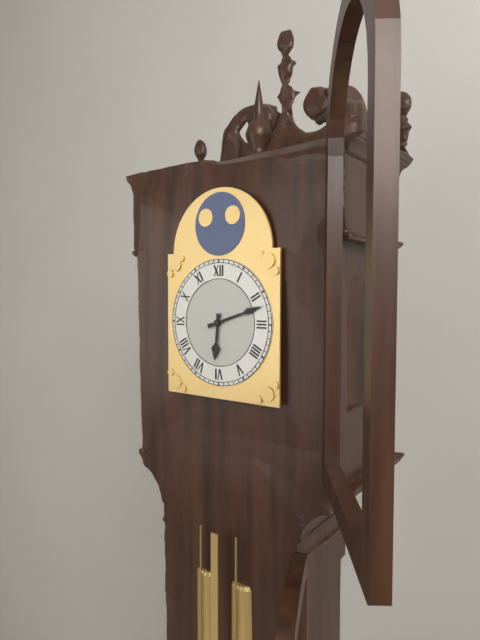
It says 6:12
